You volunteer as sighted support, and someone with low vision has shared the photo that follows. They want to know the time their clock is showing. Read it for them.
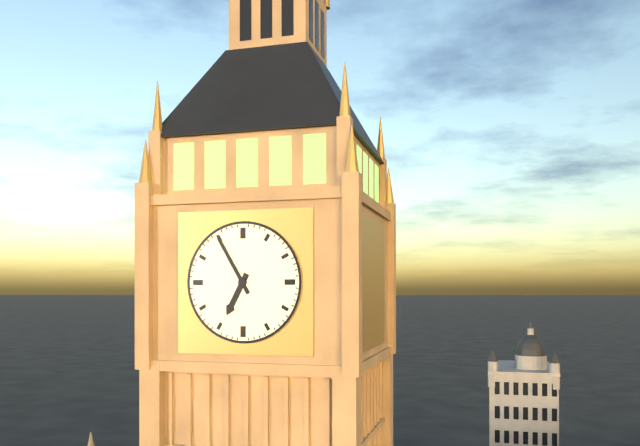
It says 6:55
